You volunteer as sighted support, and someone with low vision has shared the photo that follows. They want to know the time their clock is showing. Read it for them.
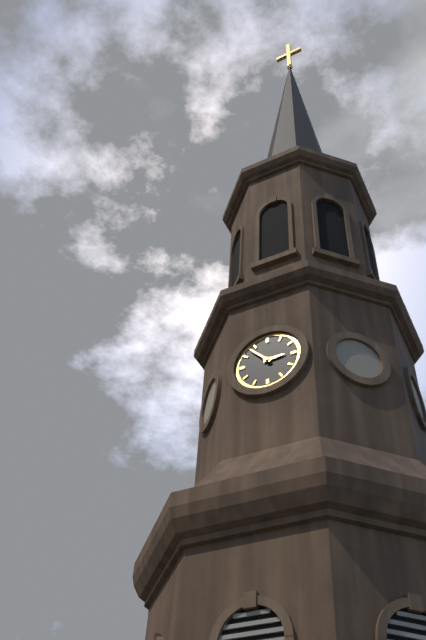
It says 2:53
